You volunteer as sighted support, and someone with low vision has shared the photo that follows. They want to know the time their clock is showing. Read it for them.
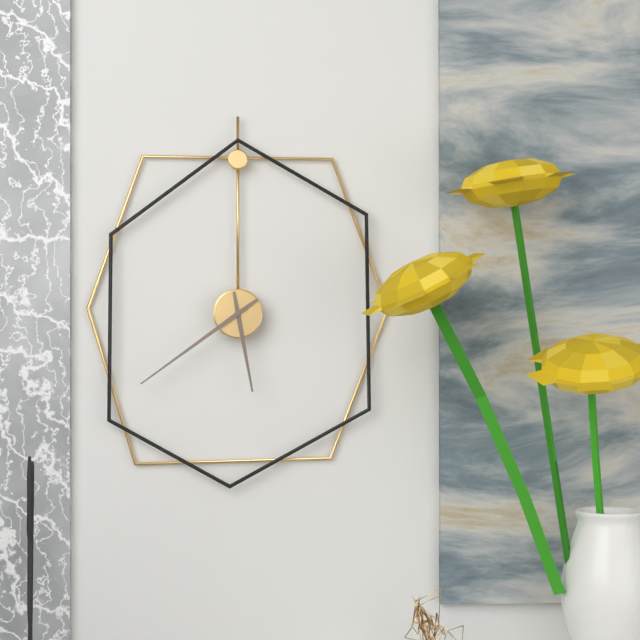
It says 5:39
